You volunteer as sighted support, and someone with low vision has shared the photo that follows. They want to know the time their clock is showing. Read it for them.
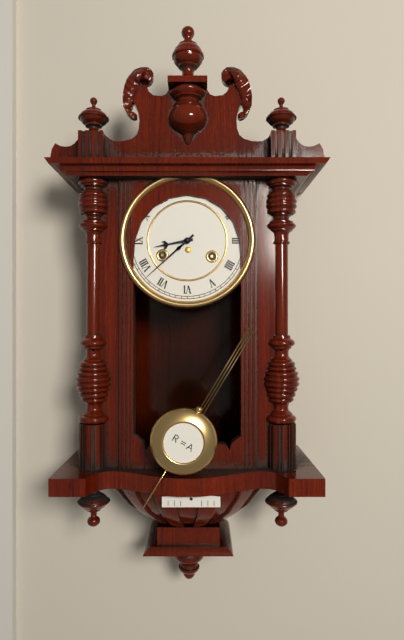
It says 8:38
